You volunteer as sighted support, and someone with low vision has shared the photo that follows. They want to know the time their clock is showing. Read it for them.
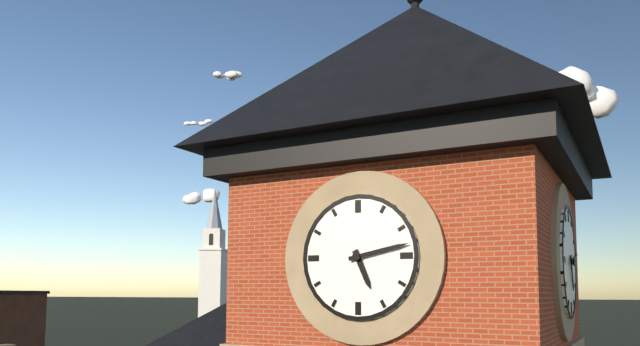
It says 5:13
